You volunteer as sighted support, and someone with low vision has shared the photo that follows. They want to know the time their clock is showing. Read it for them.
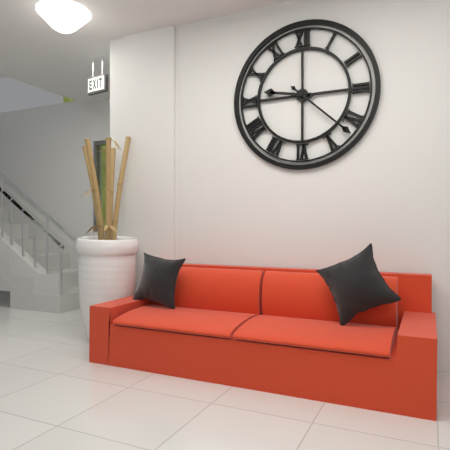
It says 9:22
